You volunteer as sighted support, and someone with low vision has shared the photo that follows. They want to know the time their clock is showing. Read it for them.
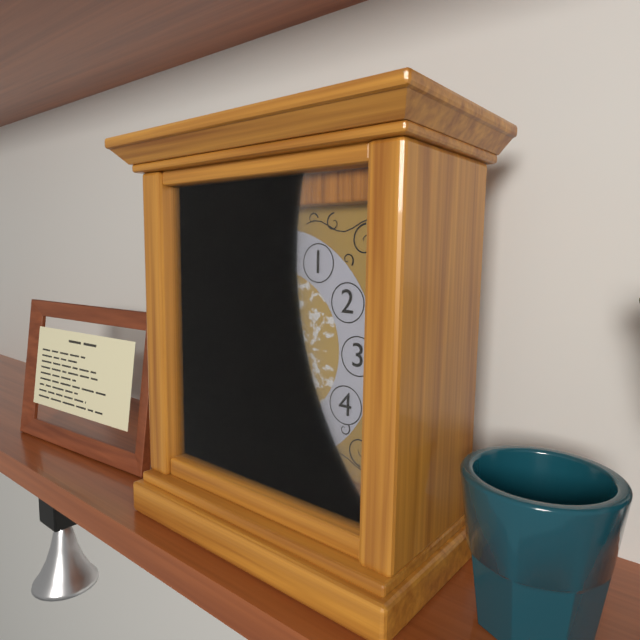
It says 6:58
